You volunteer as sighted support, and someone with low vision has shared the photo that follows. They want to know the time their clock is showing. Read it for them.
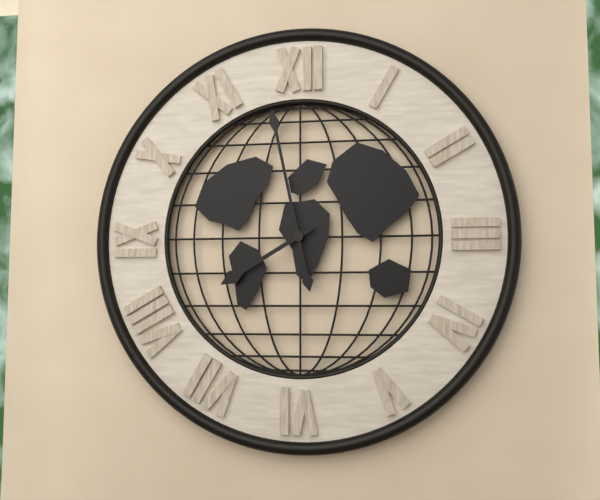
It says 7:58
